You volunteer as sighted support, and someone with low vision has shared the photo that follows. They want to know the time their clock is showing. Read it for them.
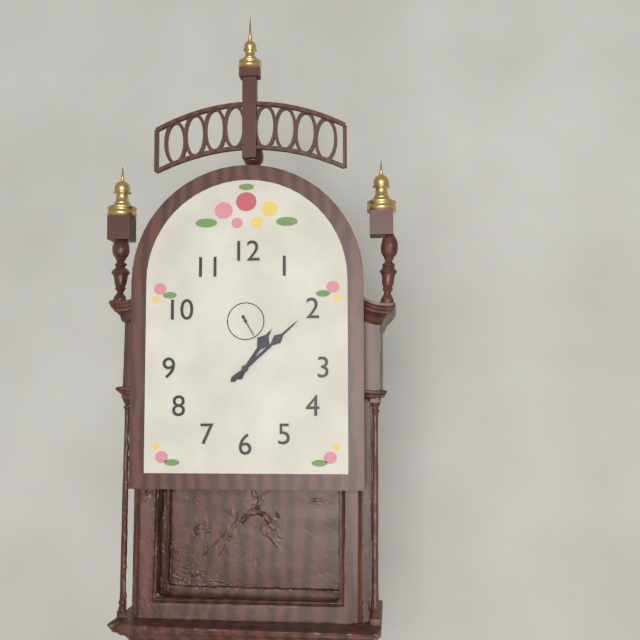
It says 1:08
